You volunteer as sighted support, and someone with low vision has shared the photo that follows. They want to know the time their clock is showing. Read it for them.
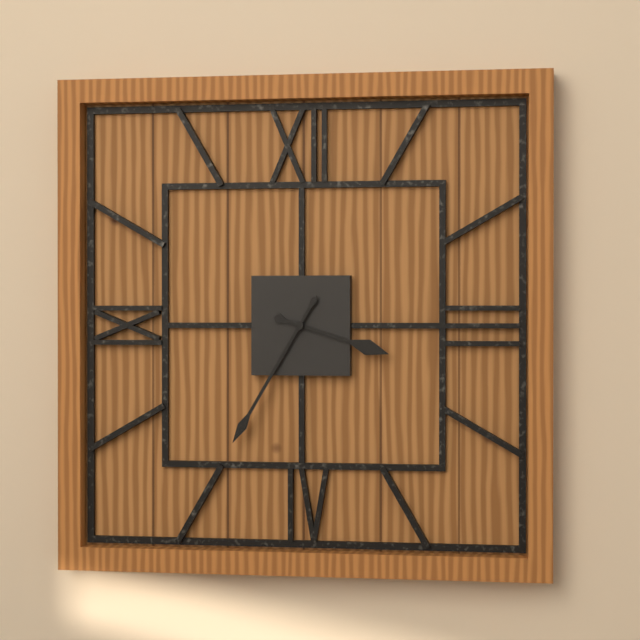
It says 3:35
